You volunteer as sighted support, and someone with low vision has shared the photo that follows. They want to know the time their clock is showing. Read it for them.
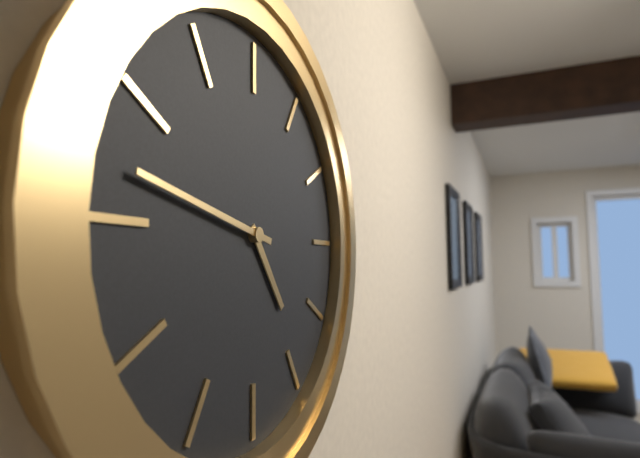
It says 4:47
